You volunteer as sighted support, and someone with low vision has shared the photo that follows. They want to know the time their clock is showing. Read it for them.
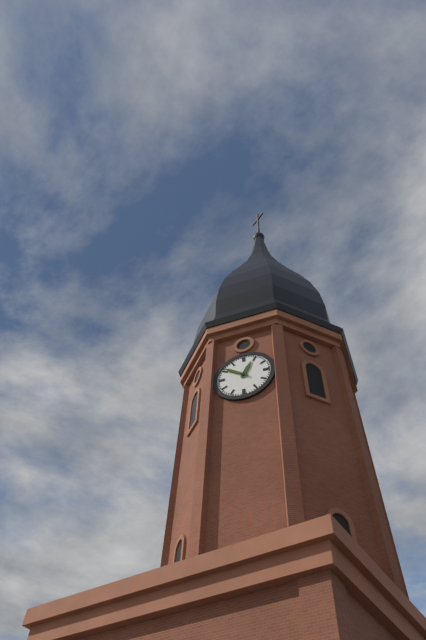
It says 12:51
